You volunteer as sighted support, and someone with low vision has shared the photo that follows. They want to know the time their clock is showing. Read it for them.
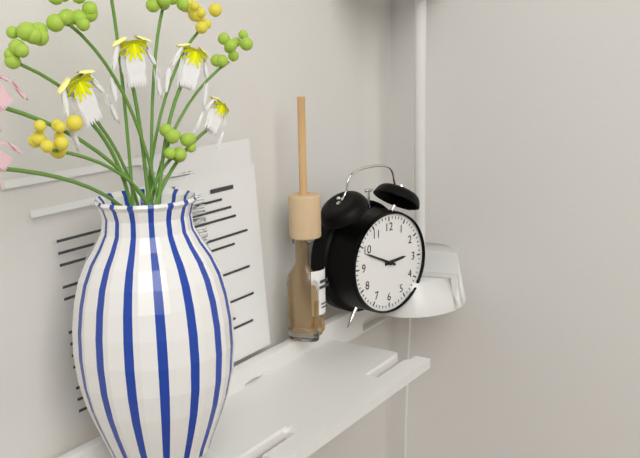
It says 2:49
